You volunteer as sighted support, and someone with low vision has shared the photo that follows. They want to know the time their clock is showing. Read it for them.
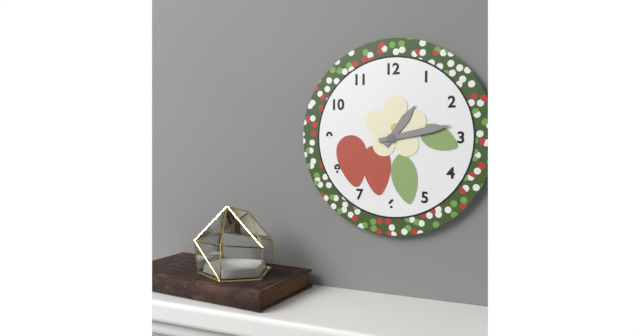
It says 1:13
